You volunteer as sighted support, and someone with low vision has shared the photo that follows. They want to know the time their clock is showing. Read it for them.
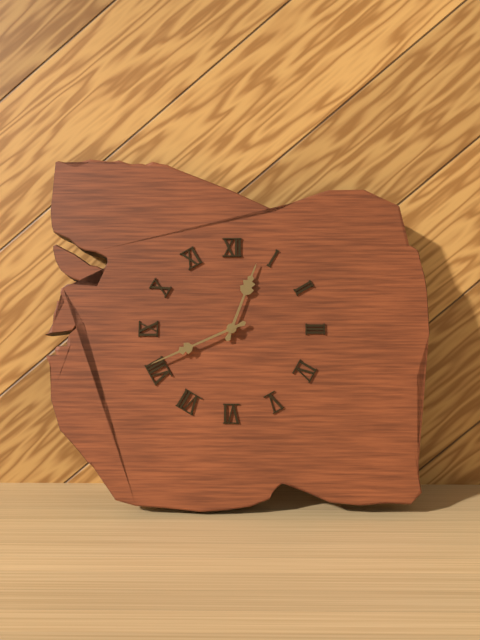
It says 12:41
